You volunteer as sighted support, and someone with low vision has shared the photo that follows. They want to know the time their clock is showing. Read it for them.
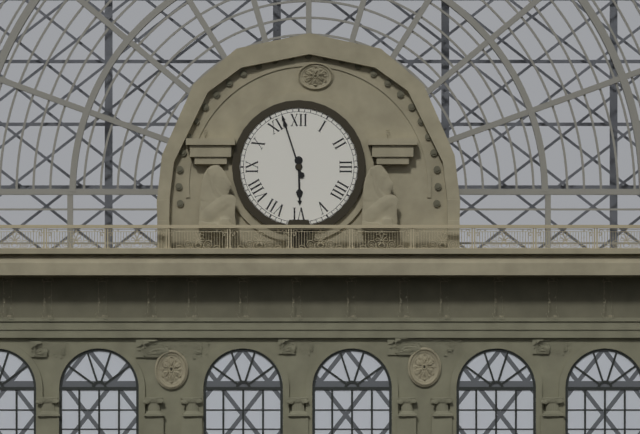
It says 5:57
